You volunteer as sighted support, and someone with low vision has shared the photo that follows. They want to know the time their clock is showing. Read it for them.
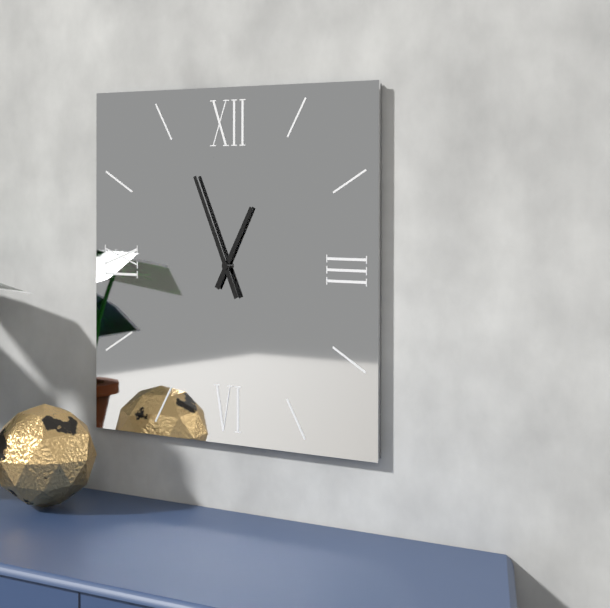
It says 12:56
